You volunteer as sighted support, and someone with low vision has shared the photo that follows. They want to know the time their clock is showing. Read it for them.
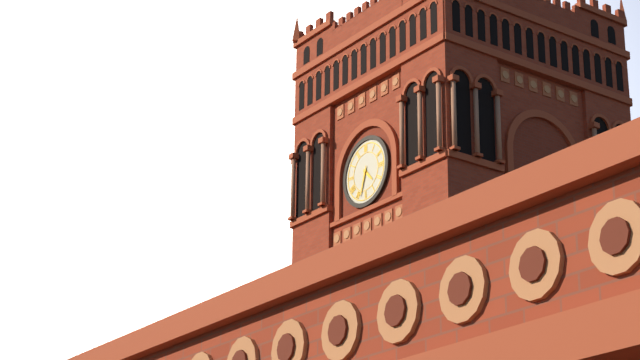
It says 4:33
